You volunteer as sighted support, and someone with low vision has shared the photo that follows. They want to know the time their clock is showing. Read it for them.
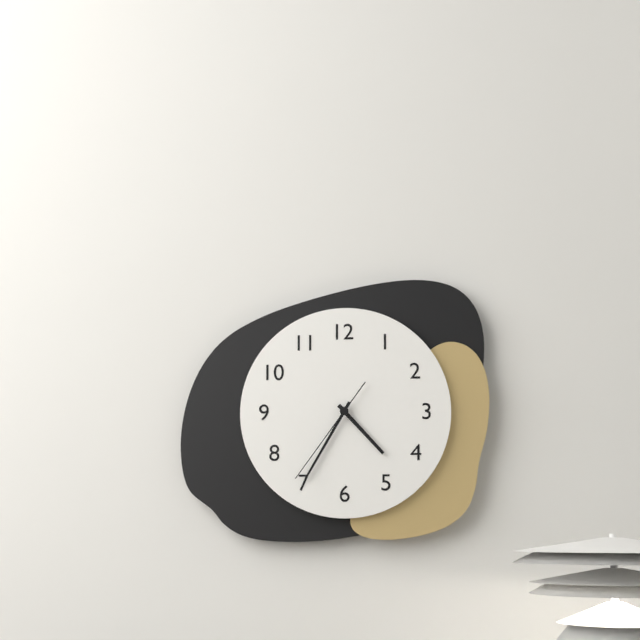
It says 4:35:36
